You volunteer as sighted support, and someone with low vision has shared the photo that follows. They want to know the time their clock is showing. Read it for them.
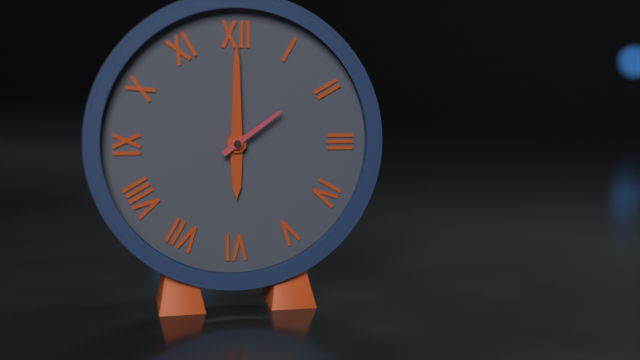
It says 6:00:09
